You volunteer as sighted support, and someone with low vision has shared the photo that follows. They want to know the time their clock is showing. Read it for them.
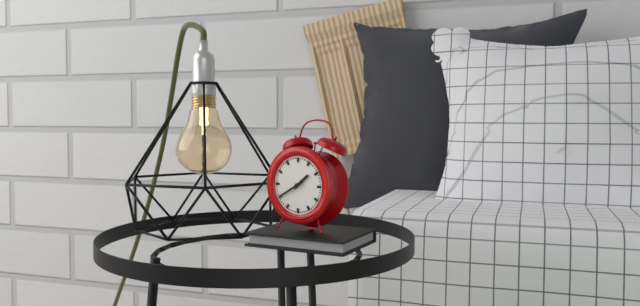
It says 1:40
